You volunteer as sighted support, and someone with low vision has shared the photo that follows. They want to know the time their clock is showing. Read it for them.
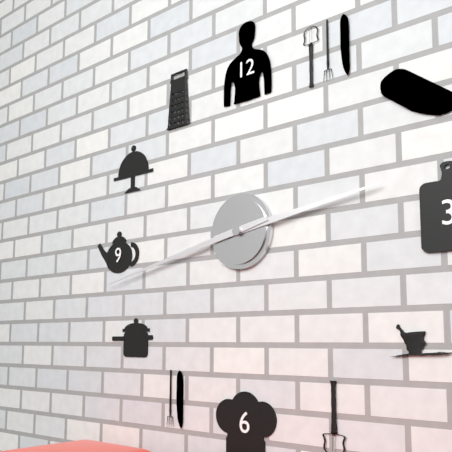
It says 2:43
